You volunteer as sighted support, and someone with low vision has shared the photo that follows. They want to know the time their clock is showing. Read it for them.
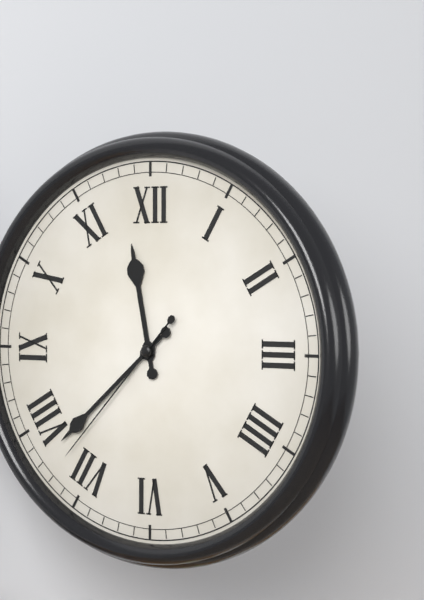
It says 11:38:37
